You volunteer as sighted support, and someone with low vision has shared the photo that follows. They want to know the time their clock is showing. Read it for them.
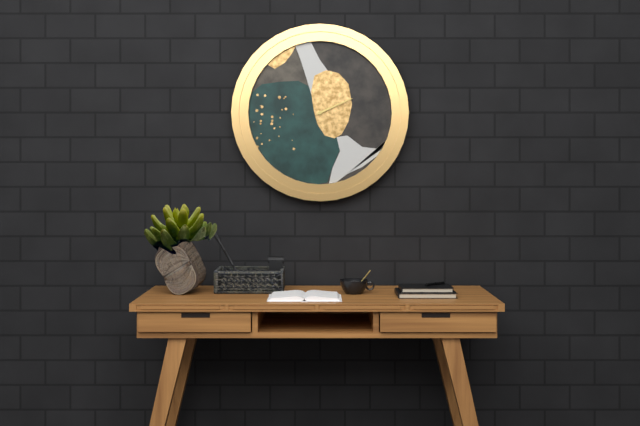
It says 2:11
